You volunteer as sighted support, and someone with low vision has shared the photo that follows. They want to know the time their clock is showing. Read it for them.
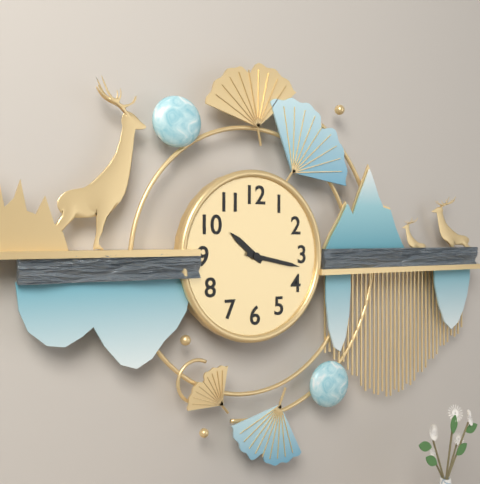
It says 10:17
